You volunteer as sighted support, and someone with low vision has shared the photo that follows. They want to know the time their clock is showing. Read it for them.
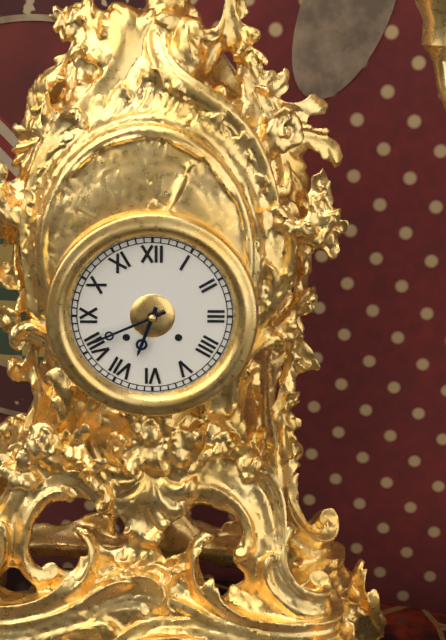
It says 6:41
